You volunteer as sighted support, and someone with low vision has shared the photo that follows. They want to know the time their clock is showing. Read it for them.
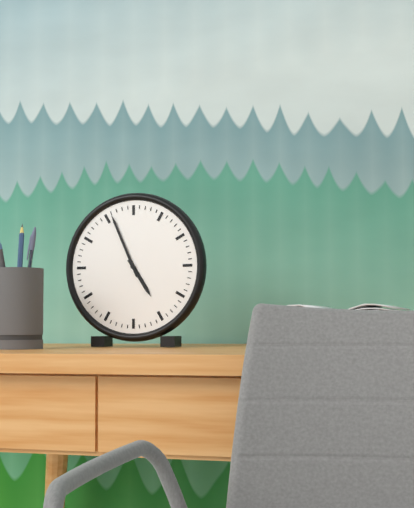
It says 4:56
